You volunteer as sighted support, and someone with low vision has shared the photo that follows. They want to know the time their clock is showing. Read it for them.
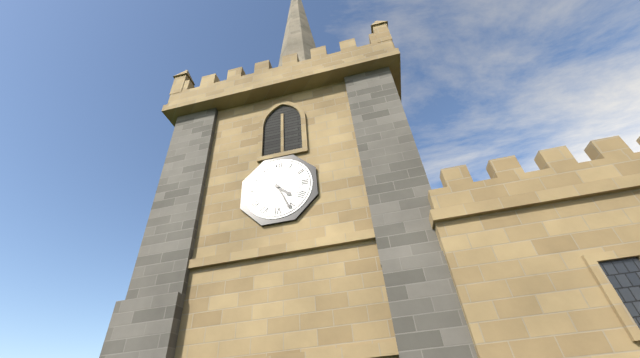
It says 4:26
